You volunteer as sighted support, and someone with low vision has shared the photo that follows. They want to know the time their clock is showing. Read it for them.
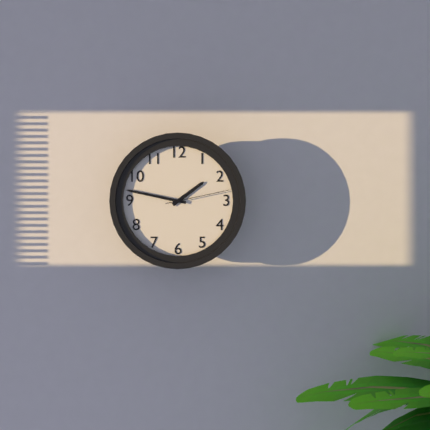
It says 1:47:13
